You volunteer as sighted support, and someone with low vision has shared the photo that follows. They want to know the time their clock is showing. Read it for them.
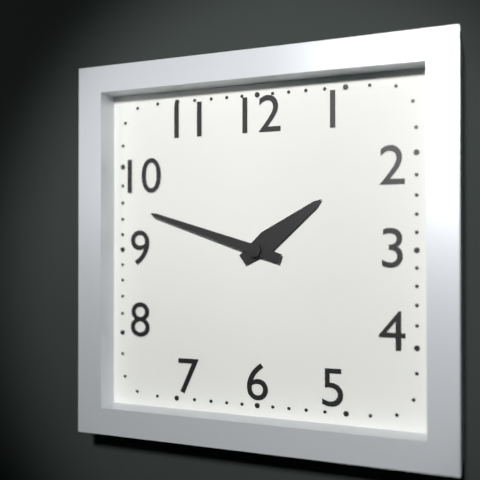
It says 1:48
